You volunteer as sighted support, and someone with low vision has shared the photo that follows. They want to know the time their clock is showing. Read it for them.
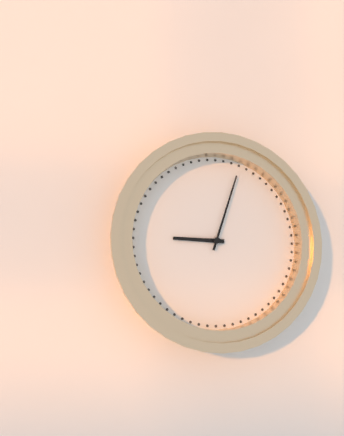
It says 9:03
